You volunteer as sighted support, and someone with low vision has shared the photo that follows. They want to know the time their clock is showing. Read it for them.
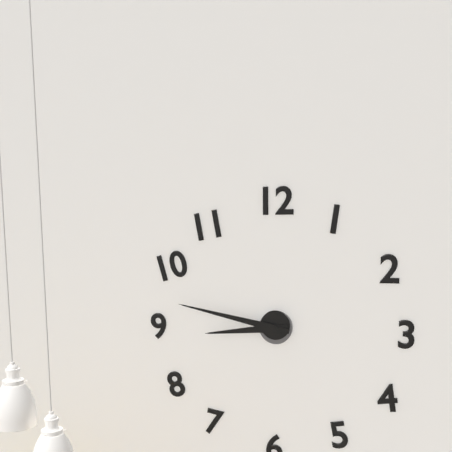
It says 8:47
